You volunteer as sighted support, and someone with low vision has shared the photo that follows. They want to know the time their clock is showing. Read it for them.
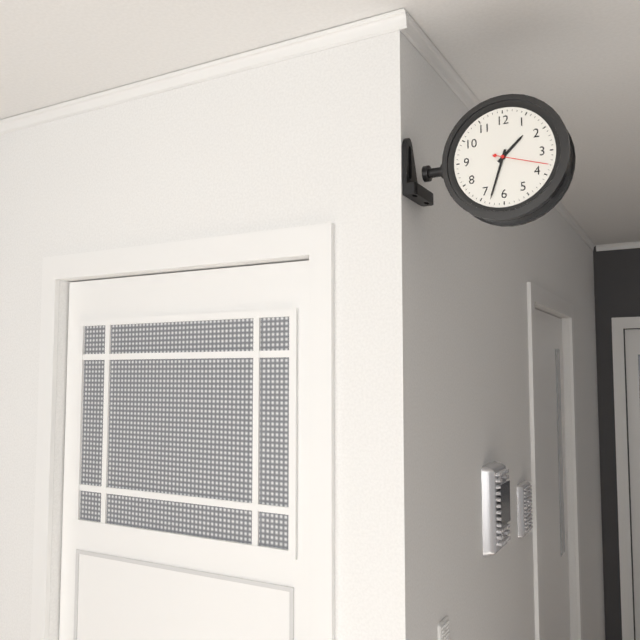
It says 1:33:18
